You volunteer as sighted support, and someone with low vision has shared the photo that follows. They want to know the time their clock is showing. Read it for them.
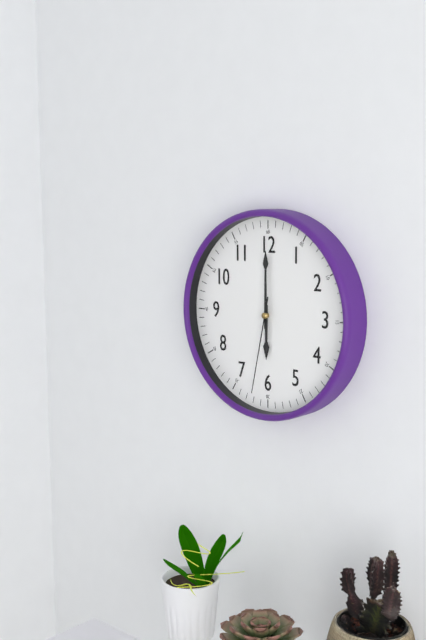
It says 6:00:32
